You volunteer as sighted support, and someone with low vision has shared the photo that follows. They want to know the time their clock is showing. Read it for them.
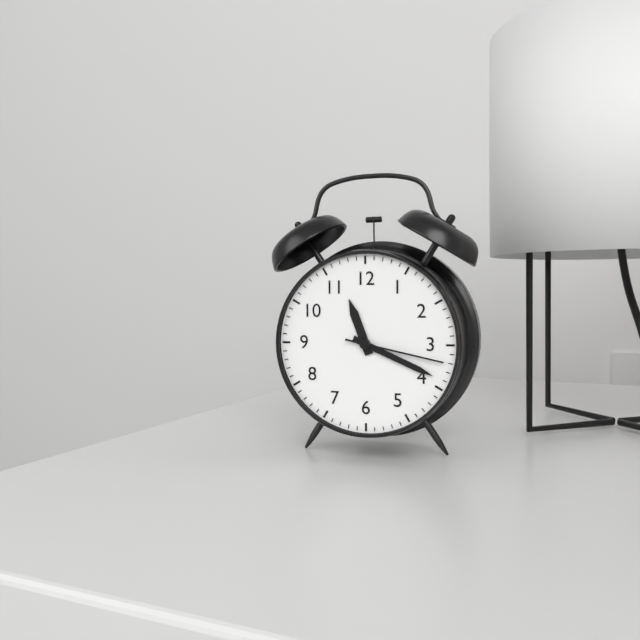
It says 11:19:17
